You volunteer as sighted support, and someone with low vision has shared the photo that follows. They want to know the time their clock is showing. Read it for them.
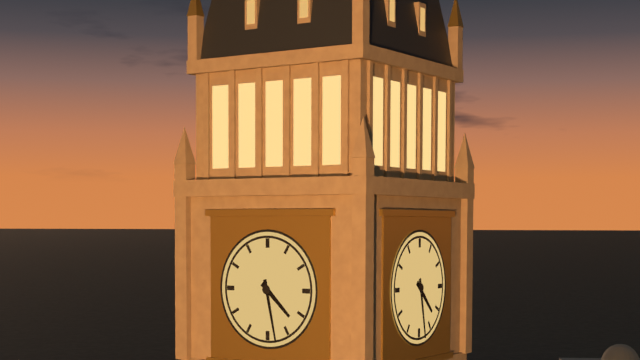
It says 4:28
